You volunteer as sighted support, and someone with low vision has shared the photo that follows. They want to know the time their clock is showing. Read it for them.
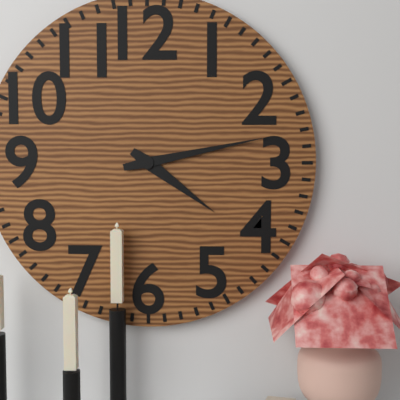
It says 4:13
